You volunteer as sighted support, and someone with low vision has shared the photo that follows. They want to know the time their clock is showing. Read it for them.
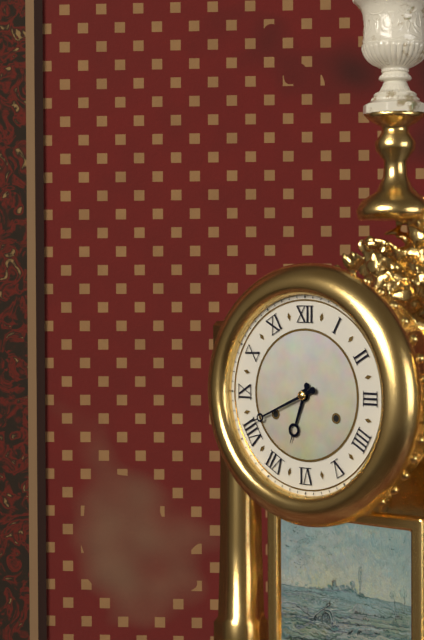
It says 6:41
